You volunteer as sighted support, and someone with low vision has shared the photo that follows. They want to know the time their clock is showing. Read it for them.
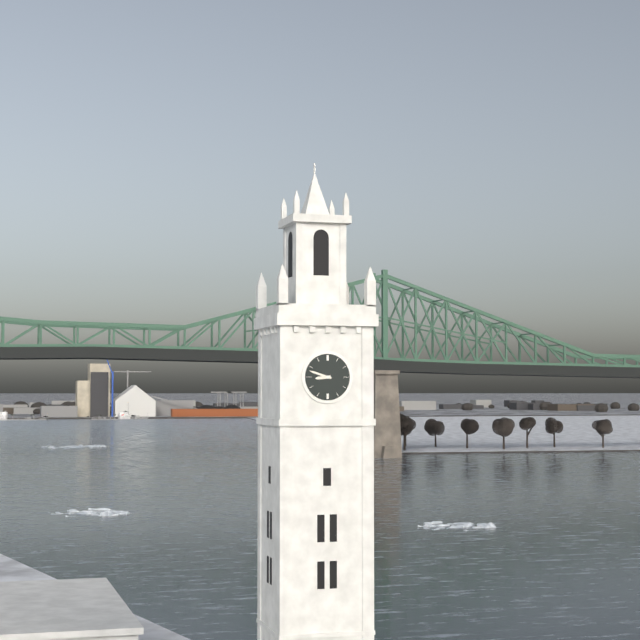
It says 8:48
